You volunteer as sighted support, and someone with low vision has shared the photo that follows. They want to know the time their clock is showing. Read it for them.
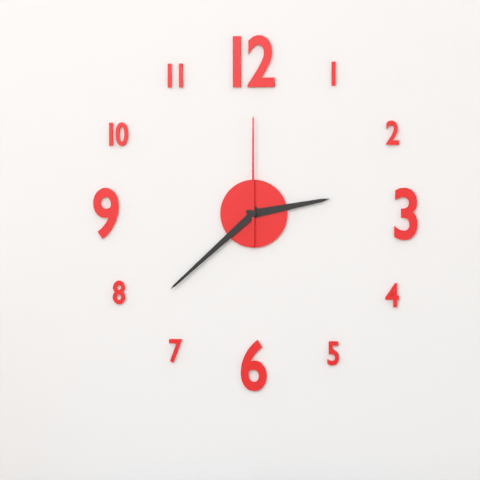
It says 2:38:00
